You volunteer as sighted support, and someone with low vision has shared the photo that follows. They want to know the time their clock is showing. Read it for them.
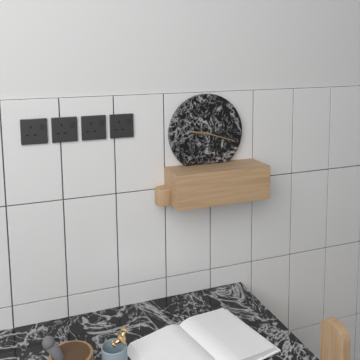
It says 9:18
